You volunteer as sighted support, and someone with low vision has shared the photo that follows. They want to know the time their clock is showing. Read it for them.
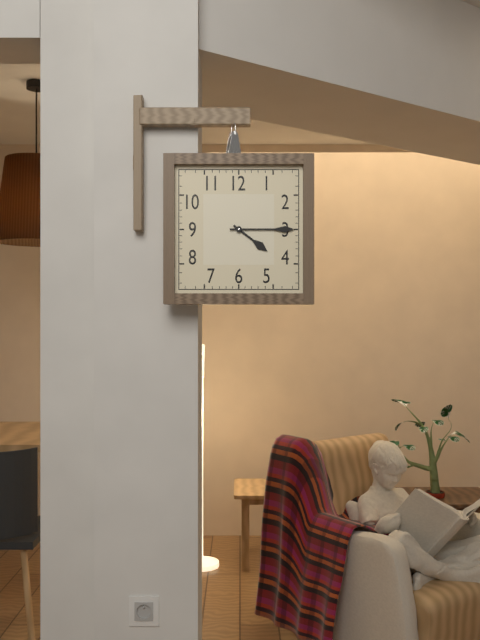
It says 4:15
